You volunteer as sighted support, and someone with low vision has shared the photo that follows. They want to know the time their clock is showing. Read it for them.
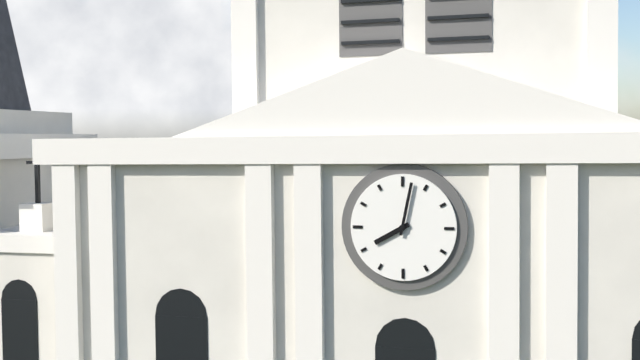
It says 8:02
